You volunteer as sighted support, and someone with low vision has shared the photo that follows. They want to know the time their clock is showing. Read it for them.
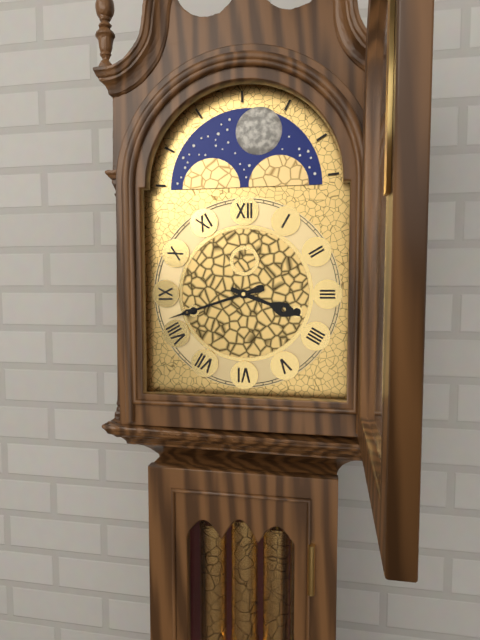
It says 3:42
